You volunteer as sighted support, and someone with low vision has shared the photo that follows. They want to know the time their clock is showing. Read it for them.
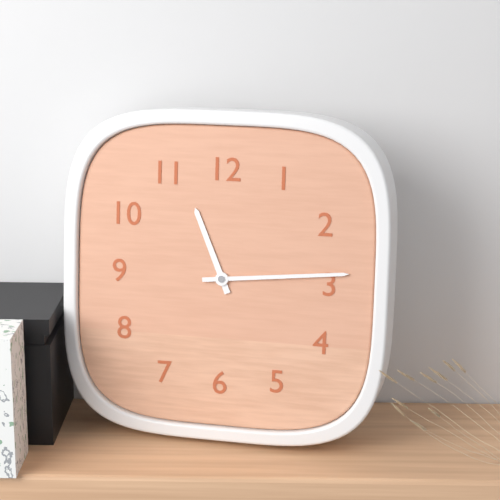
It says 11:14
